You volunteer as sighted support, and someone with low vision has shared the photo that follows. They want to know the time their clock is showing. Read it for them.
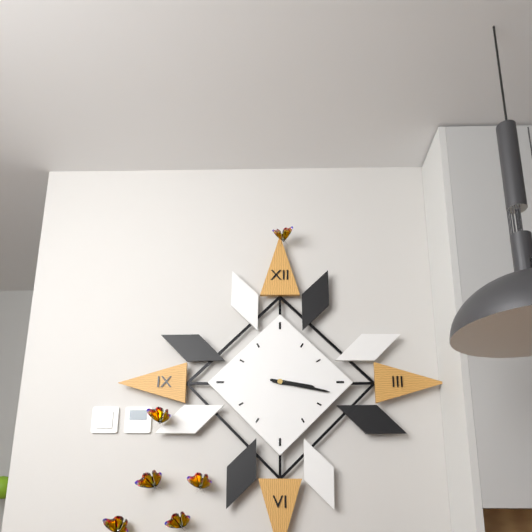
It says 3:17
